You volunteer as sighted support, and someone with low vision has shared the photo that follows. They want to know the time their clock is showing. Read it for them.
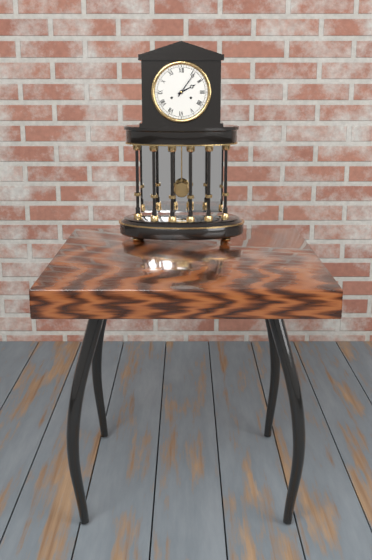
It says 2:06
